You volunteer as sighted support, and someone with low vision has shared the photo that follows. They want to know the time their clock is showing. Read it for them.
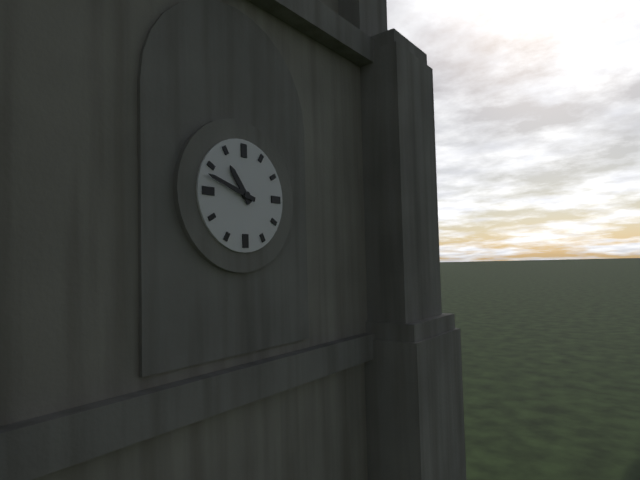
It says 10:48
